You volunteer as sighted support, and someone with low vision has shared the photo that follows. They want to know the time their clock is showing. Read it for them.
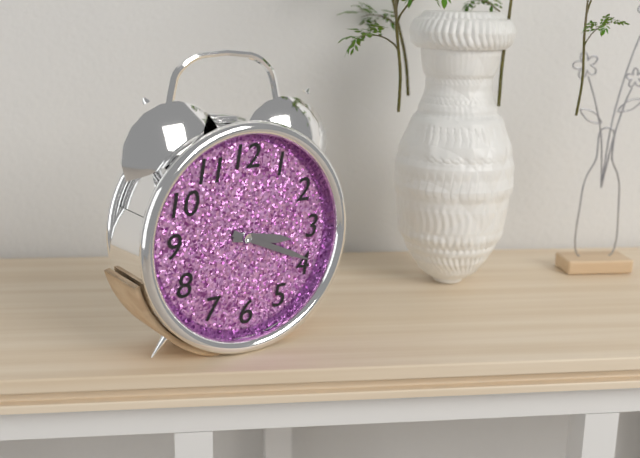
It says 3:19
